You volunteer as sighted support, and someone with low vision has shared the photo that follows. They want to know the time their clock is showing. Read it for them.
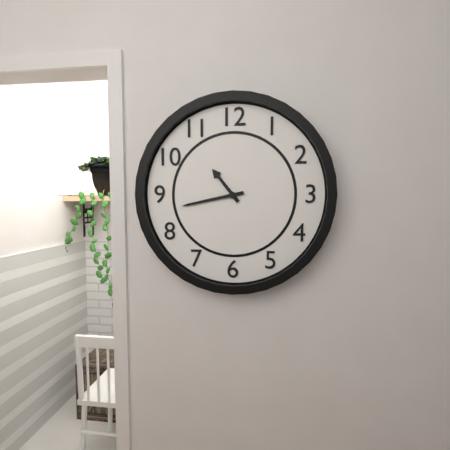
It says 10:43
